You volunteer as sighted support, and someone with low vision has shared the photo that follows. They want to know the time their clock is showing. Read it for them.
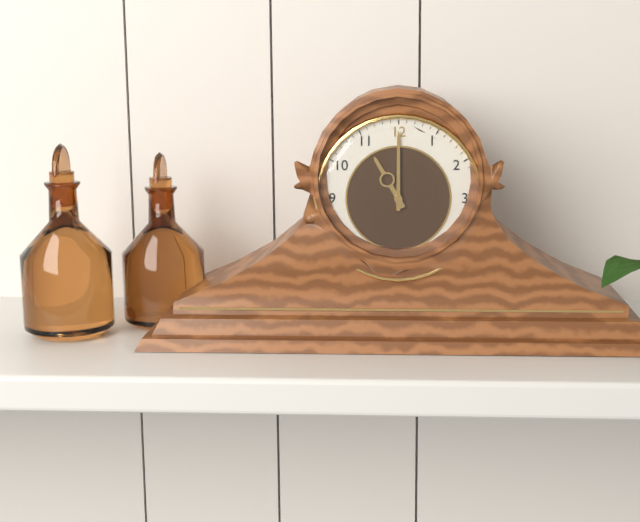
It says 11:00
